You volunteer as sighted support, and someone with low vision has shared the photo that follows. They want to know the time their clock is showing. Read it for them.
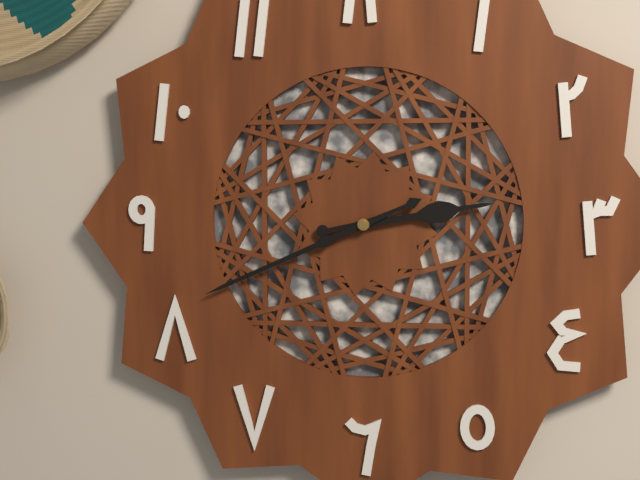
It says 2:41
